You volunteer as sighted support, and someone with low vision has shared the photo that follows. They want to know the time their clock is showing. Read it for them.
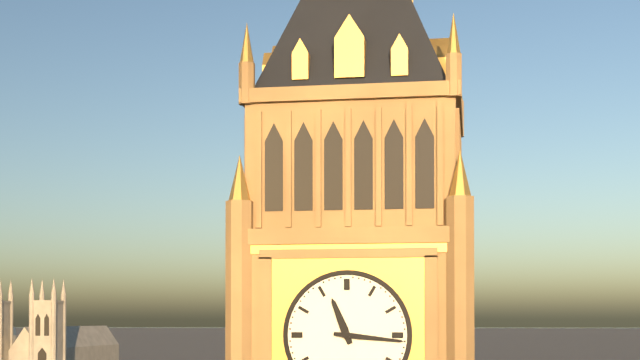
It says 11:16
